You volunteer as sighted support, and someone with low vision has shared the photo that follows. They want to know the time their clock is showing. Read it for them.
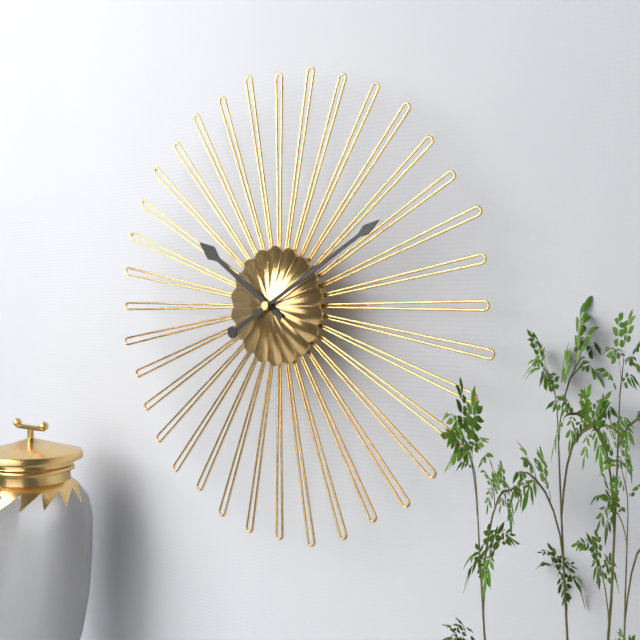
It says 10:10
